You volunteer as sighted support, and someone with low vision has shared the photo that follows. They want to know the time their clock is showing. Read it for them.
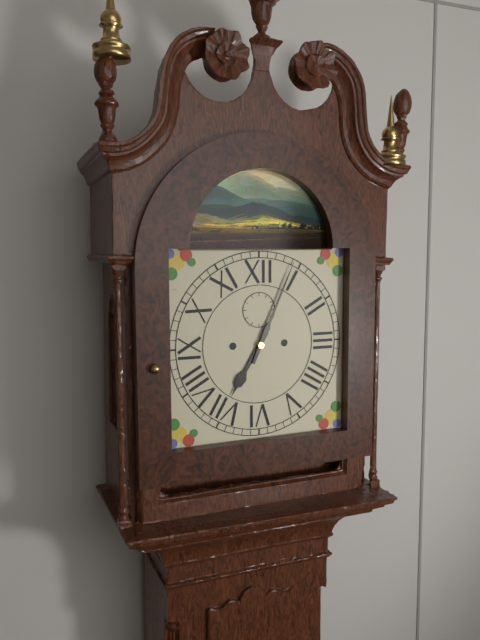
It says 7:04
